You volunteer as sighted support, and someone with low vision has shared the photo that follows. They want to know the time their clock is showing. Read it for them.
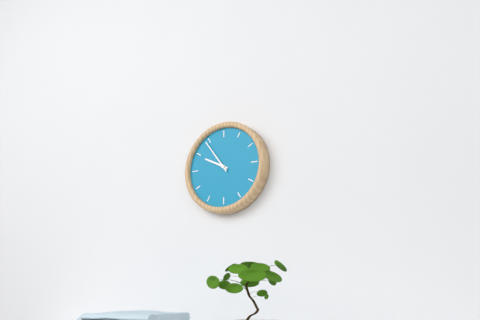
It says 9:54
